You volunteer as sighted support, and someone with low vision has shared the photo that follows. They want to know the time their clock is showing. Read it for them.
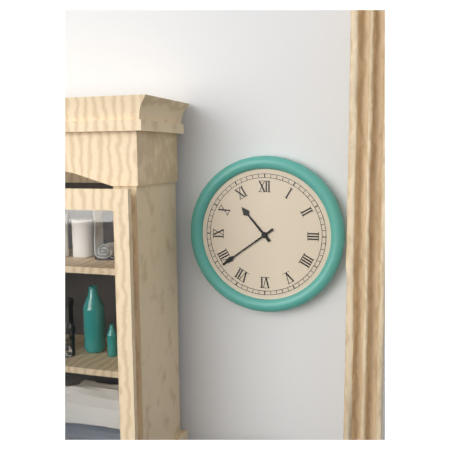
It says 10:39
